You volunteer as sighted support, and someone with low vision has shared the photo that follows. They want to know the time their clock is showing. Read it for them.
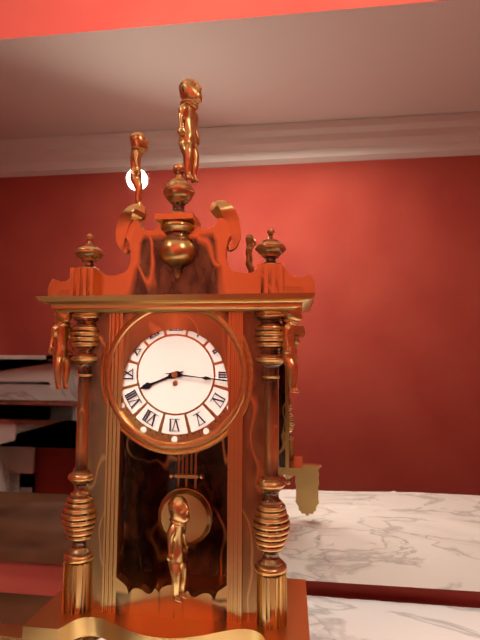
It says 8:16
